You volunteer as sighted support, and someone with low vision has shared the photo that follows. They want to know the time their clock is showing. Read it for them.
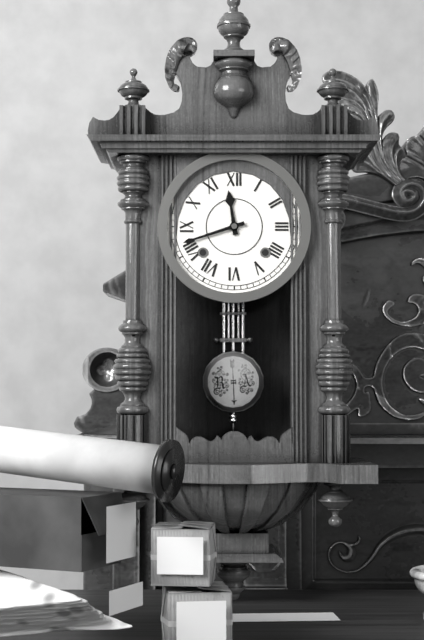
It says 11:42
